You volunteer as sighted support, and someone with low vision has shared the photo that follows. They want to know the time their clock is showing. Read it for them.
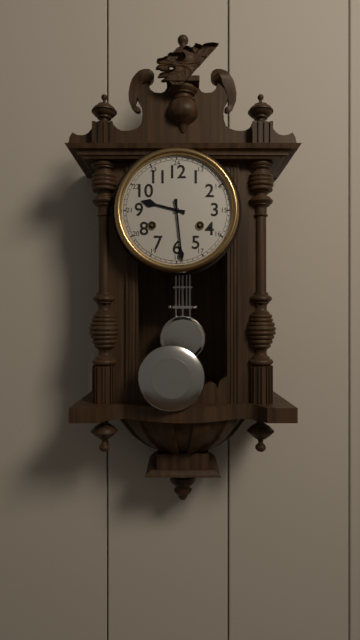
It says 9:29
